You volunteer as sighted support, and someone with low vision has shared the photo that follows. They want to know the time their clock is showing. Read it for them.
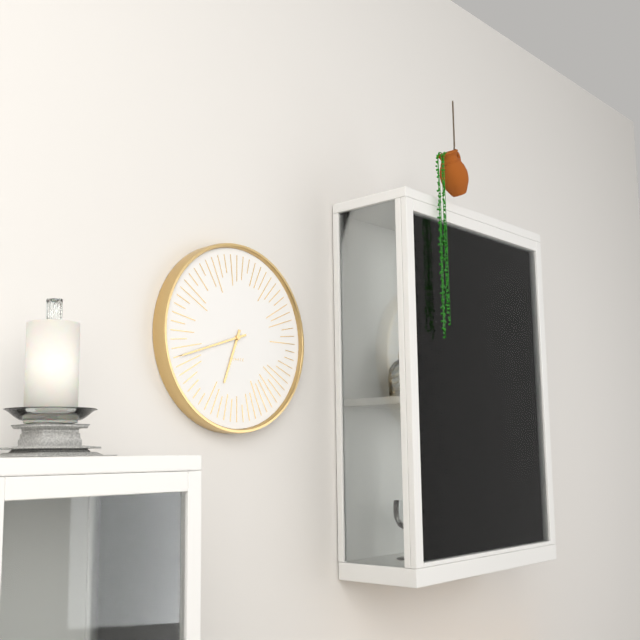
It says 6:42
